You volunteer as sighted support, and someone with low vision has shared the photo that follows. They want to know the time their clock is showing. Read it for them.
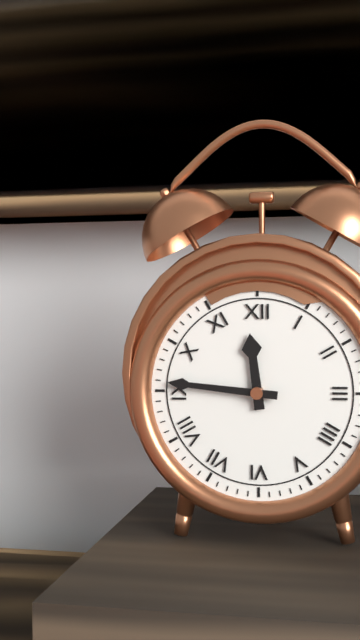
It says 11:46
